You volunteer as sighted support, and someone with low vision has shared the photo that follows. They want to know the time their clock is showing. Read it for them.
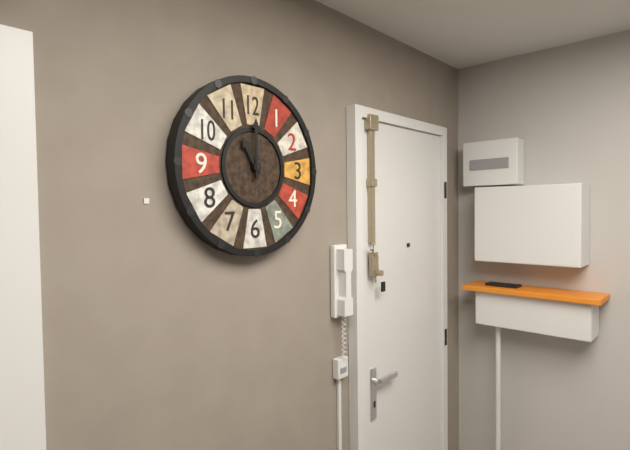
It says 11:00
